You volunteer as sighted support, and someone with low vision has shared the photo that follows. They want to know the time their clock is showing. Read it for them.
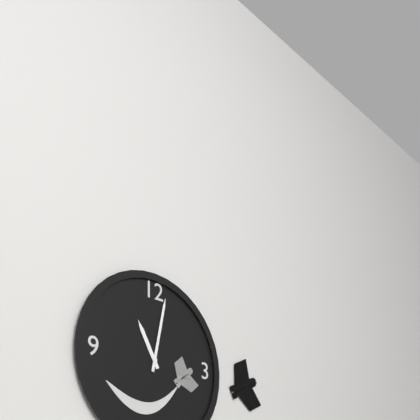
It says 11:02
